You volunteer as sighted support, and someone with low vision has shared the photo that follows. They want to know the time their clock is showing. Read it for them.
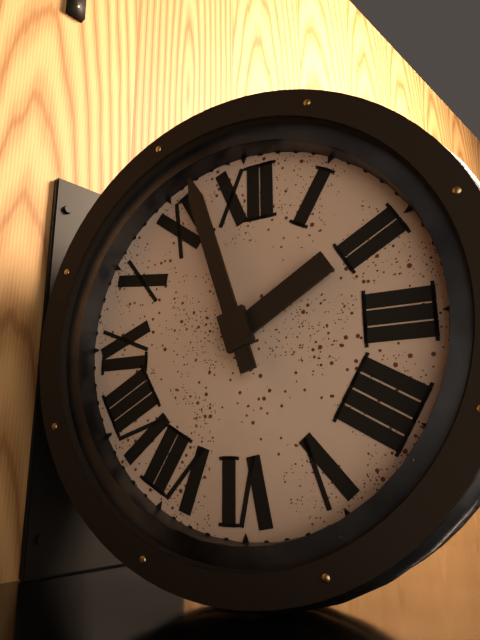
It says 1:57
